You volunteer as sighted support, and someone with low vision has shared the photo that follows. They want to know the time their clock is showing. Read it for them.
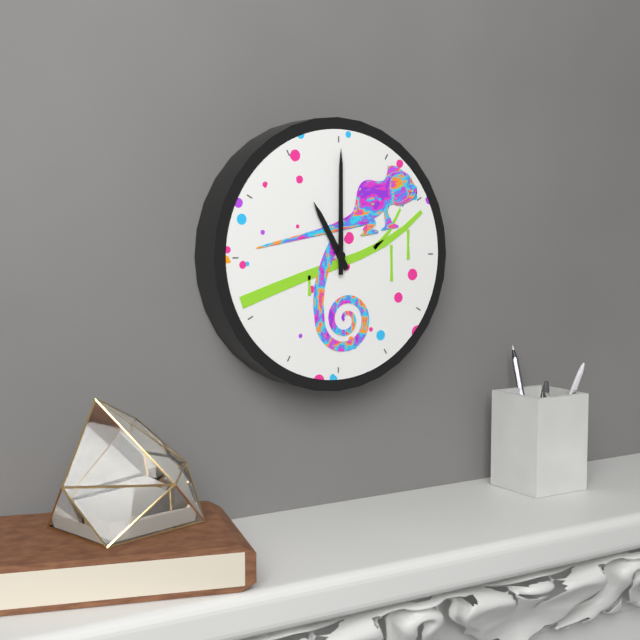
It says 11:00
